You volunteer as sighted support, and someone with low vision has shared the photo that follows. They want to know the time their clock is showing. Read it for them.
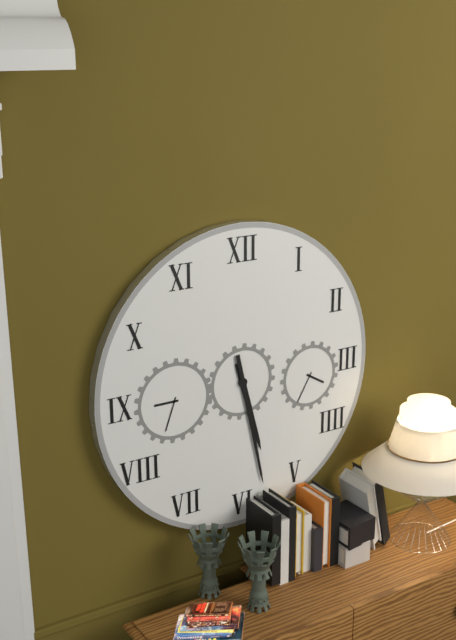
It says 5:28
